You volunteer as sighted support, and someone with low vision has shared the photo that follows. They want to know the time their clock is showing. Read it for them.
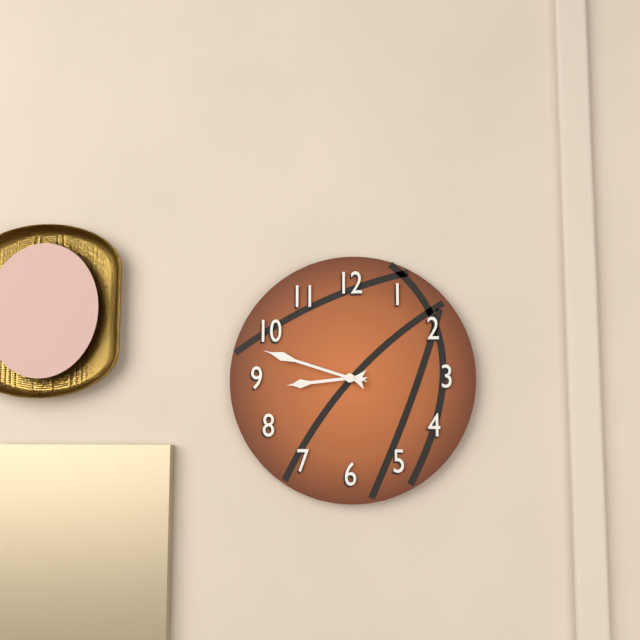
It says 8:48
